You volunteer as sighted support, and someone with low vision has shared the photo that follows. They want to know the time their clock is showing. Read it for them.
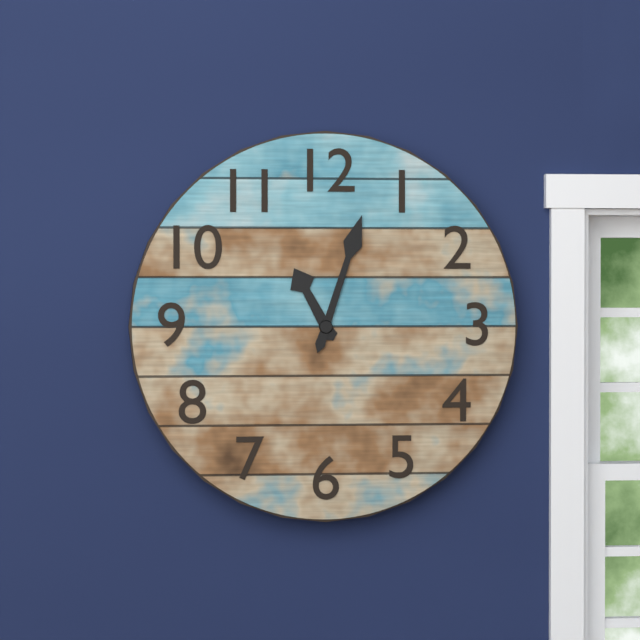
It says 11:03
